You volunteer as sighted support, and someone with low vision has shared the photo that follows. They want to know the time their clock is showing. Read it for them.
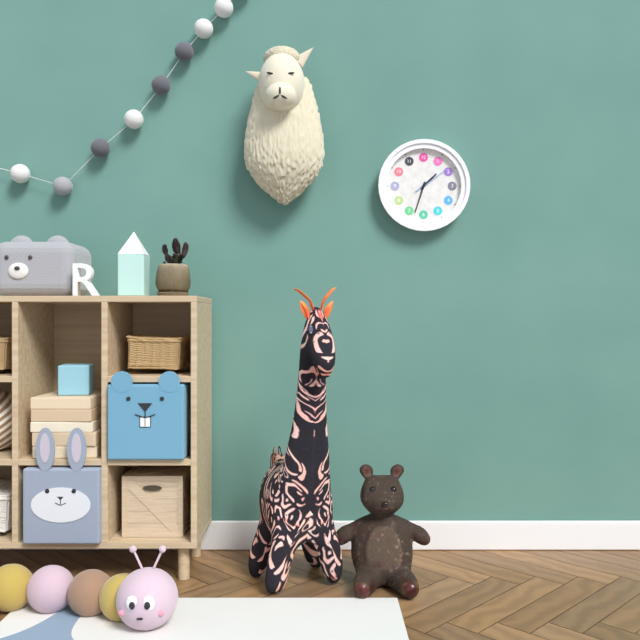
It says 1:33
